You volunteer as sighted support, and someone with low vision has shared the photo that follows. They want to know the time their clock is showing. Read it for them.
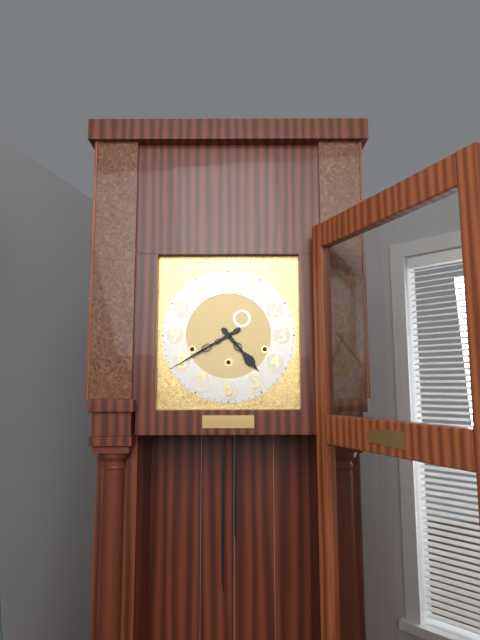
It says 4:40
